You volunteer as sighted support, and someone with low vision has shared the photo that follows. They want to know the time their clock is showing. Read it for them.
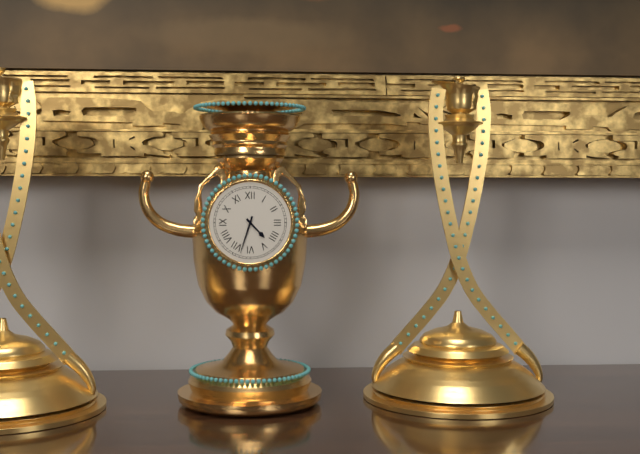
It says 4:33
